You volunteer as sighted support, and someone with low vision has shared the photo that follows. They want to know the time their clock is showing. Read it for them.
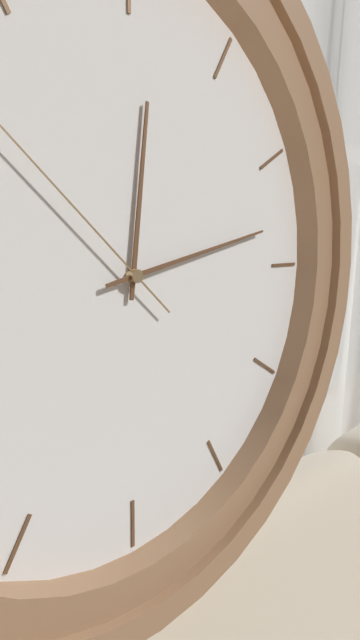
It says 12:13
